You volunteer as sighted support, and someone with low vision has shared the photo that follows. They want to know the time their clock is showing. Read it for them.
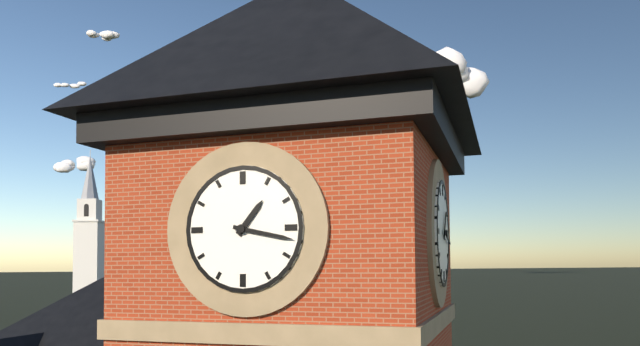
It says 1:17
